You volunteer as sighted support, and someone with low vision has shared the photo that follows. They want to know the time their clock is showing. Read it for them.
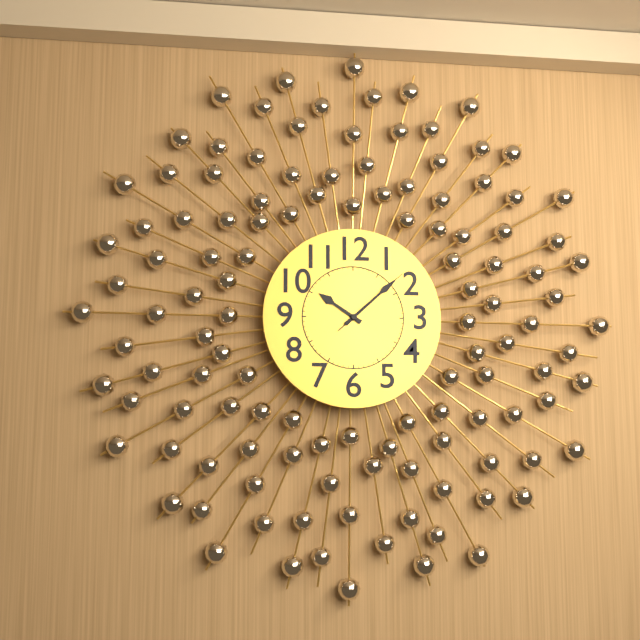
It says 10:08:08
